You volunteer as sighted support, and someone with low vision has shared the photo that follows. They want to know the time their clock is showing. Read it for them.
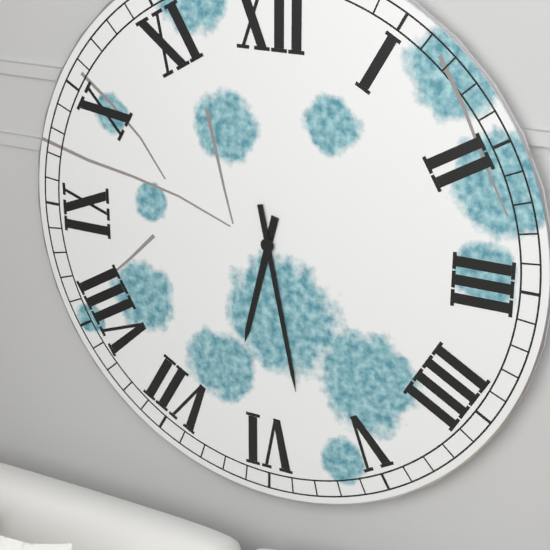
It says 6:28
